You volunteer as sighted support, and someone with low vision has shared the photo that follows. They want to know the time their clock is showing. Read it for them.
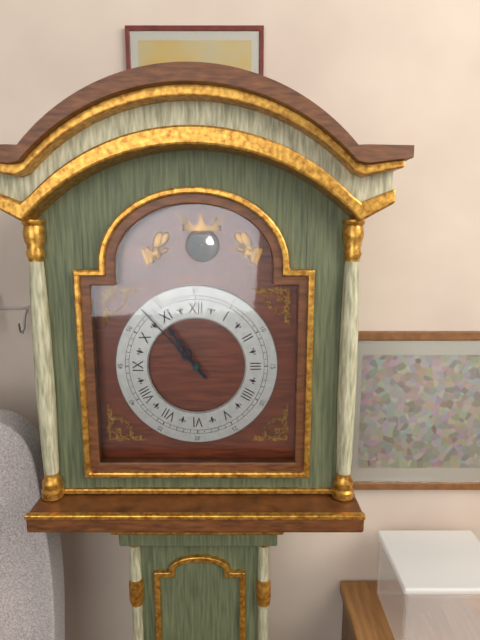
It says 10:53
